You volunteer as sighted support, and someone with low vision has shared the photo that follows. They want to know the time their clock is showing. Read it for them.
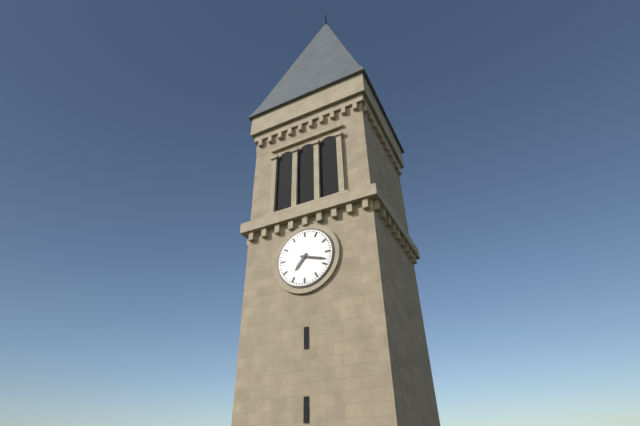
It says 7:18
